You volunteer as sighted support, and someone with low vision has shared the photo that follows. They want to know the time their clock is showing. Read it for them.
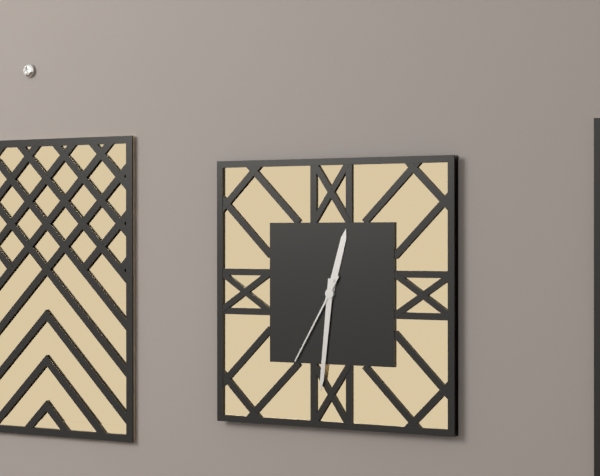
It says 12:31:35
